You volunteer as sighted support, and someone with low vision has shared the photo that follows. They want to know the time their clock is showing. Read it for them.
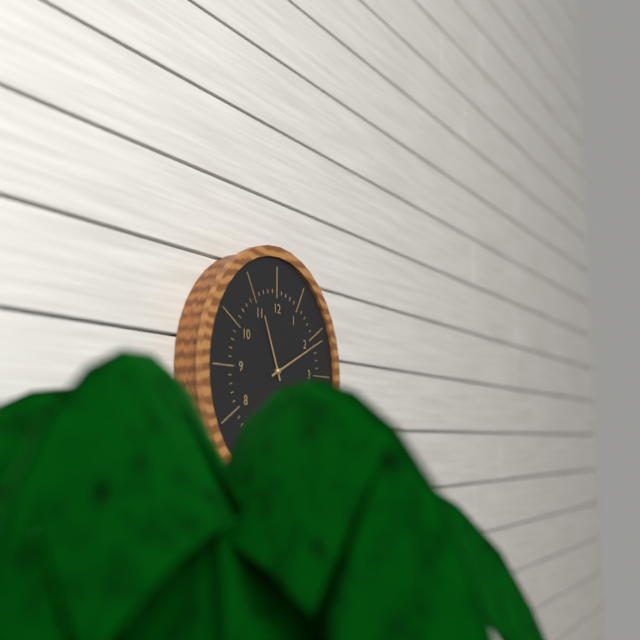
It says 11:11
